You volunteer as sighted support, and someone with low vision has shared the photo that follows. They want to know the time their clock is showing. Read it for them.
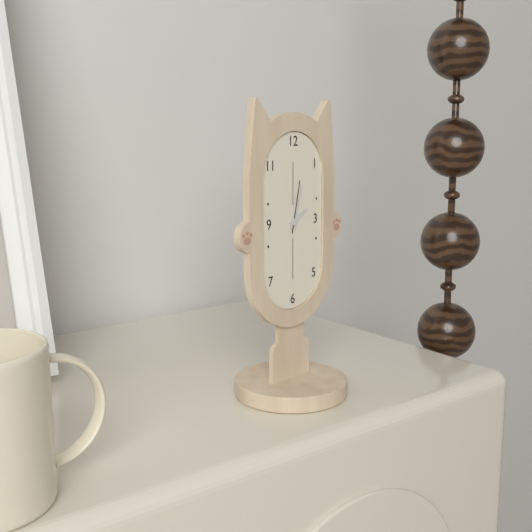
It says 2:03:02
